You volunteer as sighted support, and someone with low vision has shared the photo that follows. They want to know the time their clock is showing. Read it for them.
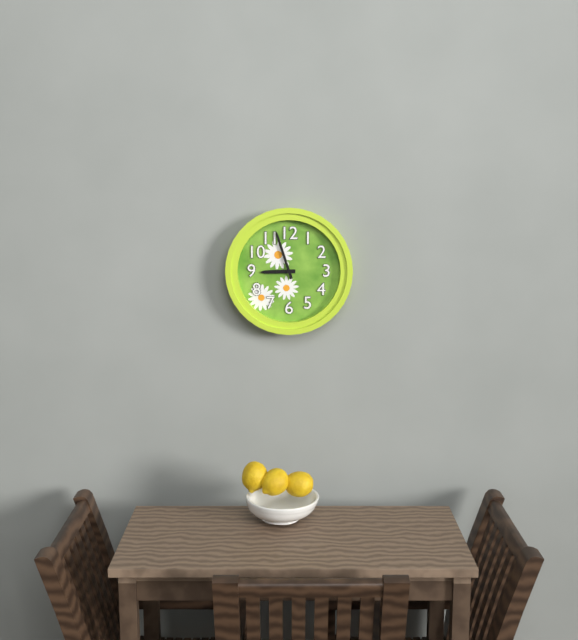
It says 8:57
